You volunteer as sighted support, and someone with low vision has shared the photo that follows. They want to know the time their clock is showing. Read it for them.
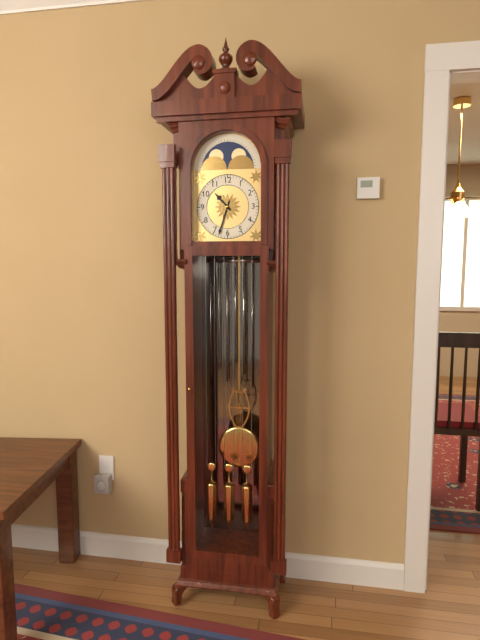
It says 10:33
